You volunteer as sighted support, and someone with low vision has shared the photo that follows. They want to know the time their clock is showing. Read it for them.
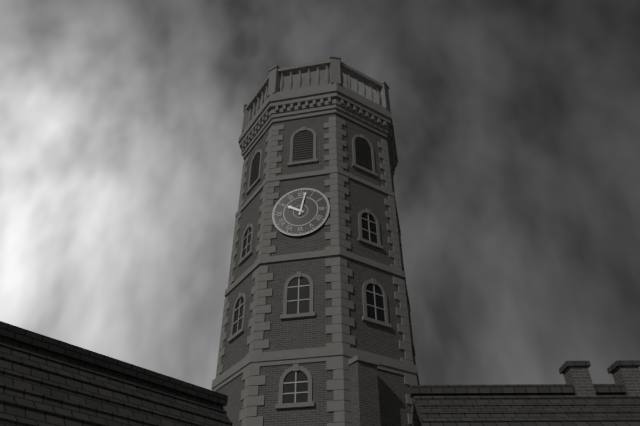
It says 10:02
